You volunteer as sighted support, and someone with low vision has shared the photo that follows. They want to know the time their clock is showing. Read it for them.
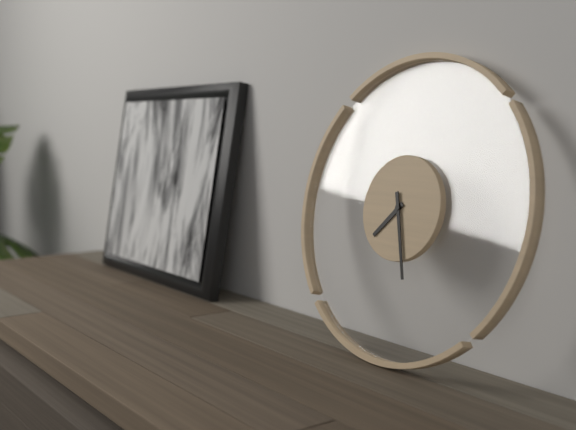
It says 7:27
